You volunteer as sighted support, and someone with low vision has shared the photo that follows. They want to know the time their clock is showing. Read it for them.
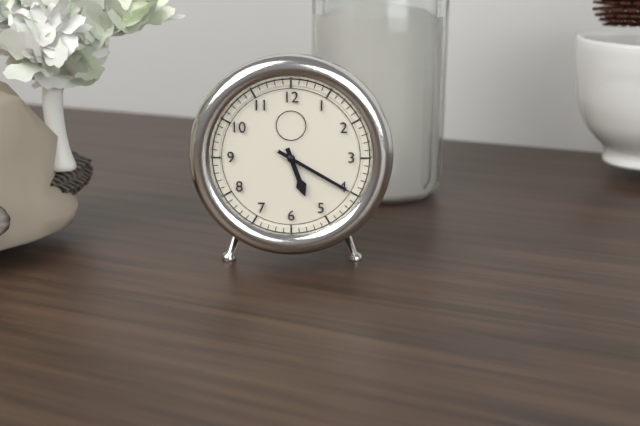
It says 5:20
